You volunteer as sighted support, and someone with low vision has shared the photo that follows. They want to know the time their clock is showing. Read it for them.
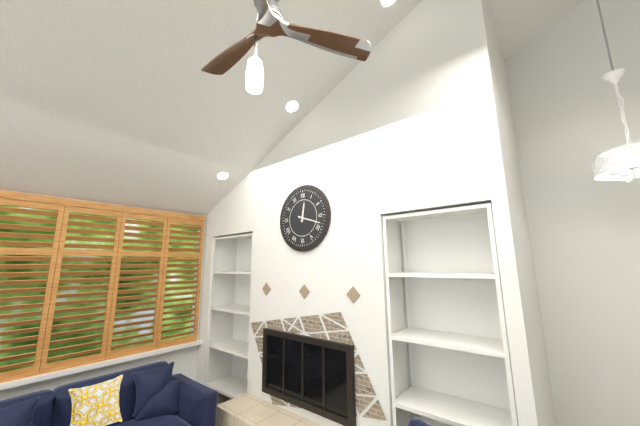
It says 12:18
